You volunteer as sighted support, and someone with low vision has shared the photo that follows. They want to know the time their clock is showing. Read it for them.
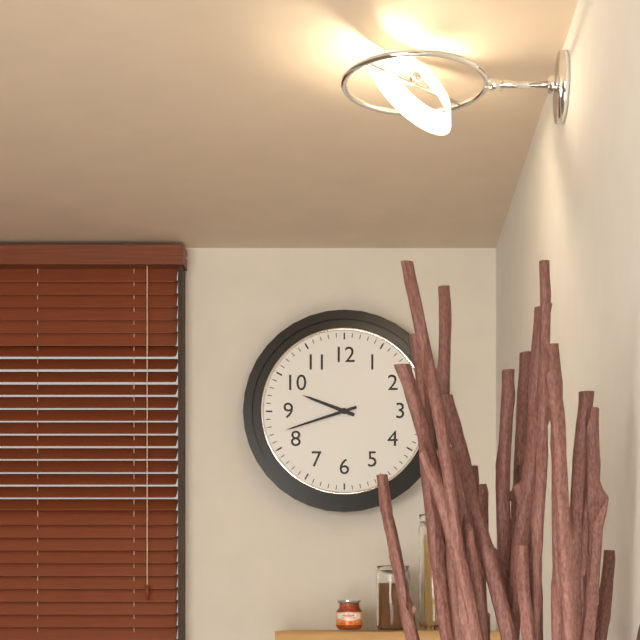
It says 9:42
